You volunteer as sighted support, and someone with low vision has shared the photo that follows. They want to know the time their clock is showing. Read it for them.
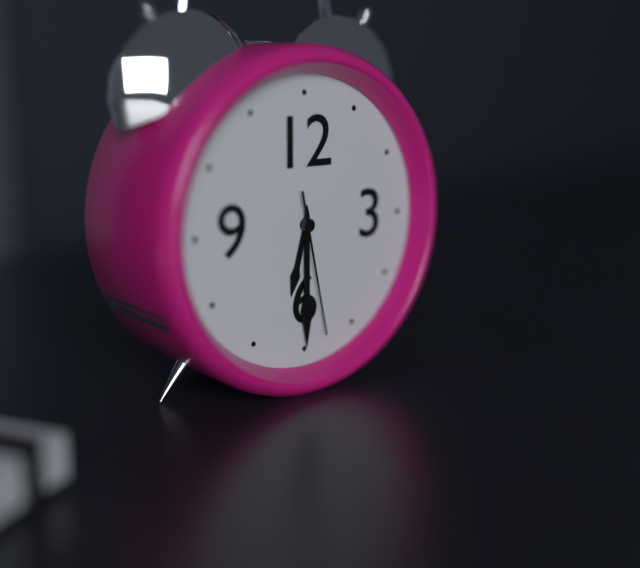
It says 6:30:28
